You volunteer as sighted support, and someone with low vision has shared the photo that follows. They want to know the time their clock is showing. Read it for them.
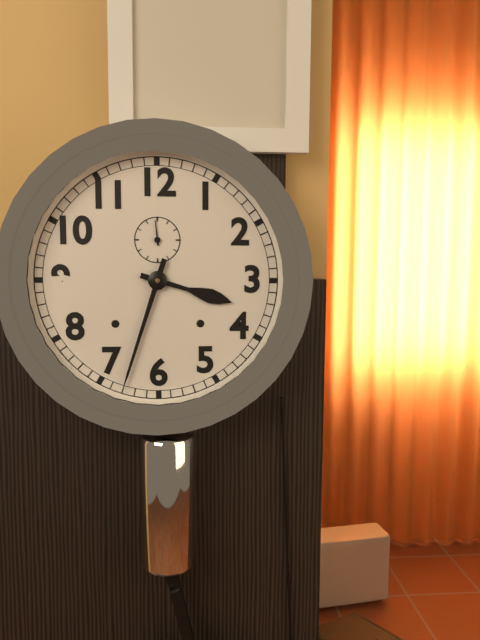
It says 3:33
